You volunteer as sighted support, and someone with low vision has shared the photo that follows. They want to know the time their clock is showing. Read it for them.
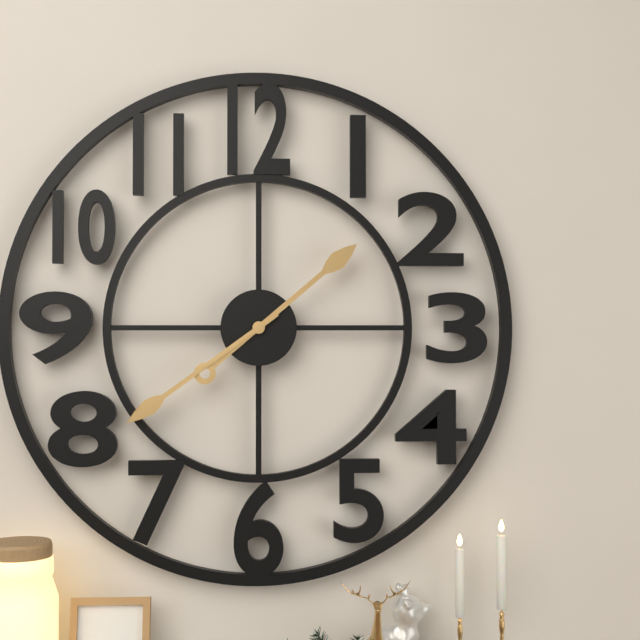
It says 1:39
